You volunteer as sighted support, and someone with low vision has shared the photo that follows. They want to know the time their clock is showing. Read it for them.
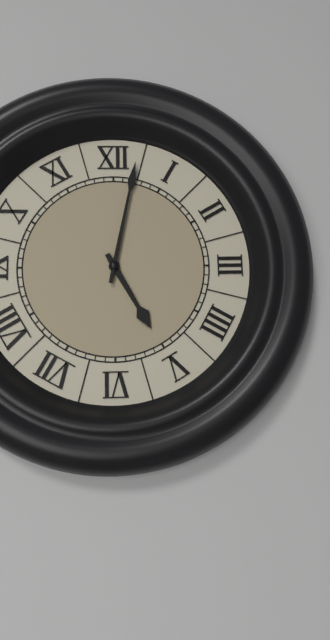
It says 5:02
